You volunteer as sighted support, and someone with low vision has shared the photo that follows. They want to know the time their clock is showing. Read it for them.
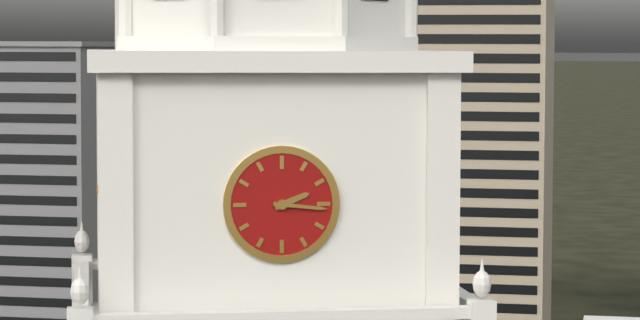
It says 2:16
